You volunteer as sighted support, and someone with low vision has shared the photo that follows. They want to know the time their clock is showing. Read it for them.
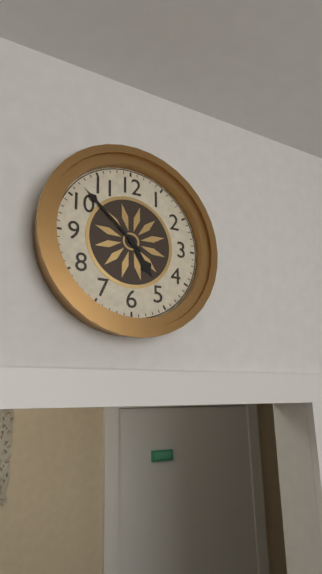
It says 4:52
